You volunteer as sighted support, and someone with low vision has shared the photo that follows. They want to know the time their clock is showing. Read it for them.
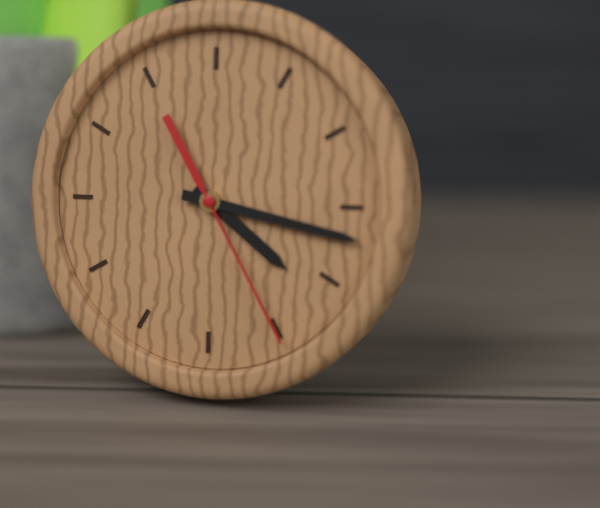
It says 4:17:25
